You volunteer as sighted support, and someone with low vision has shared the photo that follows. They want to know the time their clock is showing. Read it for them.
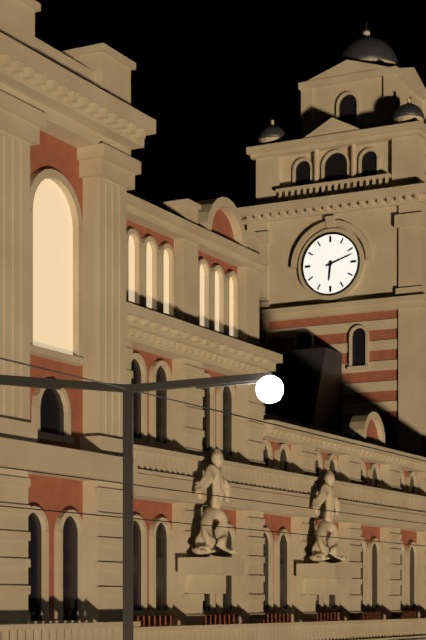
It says 6:12
